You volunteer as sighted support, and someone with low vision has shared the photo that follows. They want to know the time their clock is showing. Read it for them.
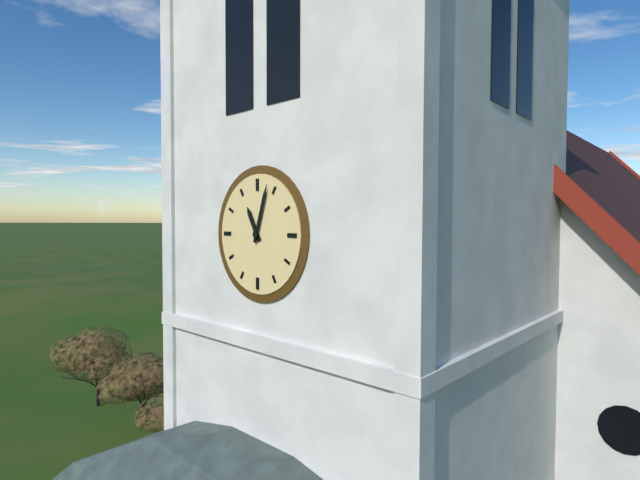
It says 11:03
